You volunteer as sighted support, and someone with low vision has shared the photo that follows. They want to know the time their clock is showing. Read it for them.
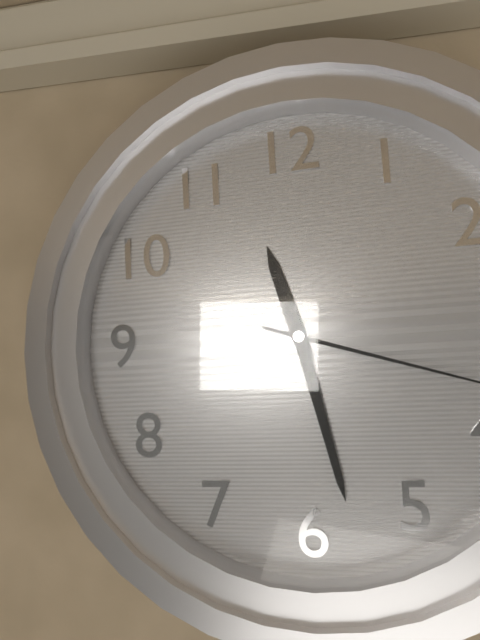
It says 11:28
